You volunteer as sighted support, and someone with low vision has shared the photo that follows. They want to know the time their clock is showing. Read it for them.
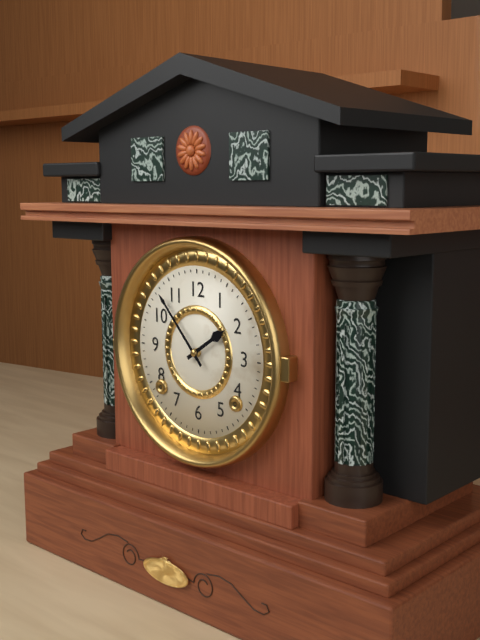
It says 1:53
